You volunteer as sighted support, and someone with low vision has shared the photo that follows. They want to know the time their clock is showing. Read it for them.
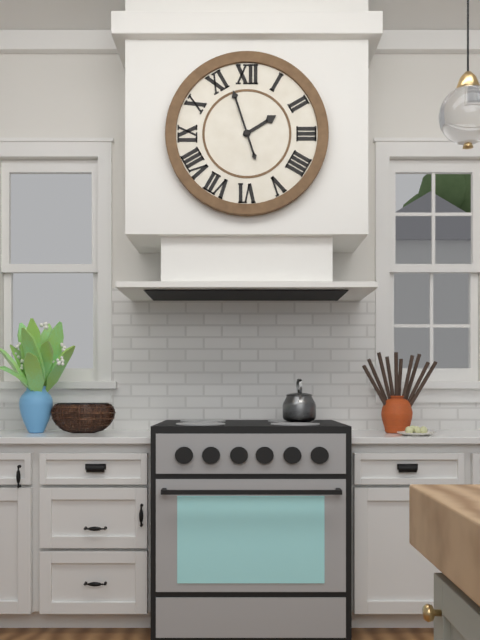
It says 1:57
